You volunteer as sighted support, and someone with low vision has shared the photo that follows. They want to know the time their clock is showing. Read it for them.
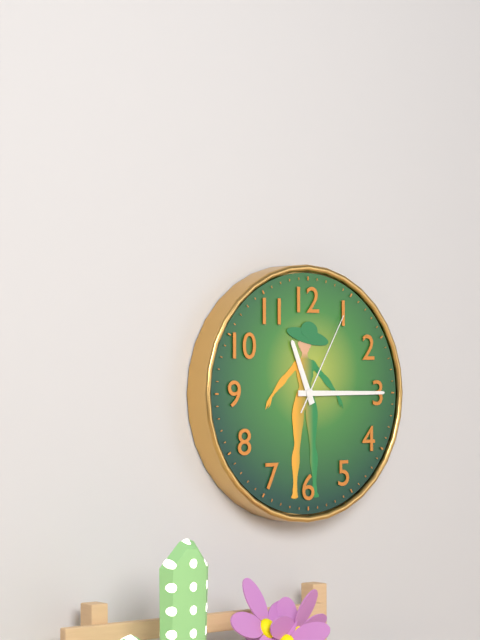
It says 11:15:05
